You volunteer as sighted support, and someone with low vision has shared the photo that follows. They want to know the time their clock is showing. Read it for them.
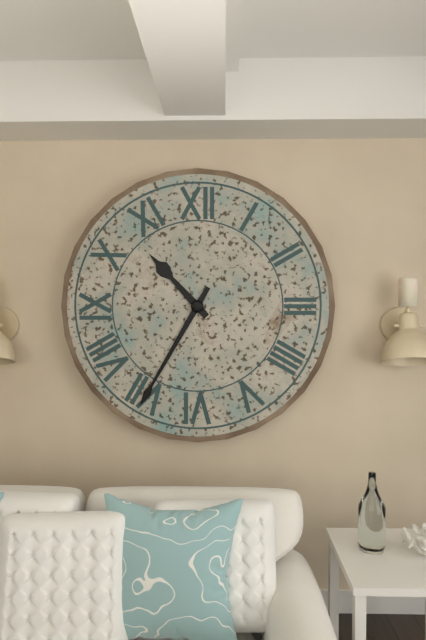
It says 10:35
